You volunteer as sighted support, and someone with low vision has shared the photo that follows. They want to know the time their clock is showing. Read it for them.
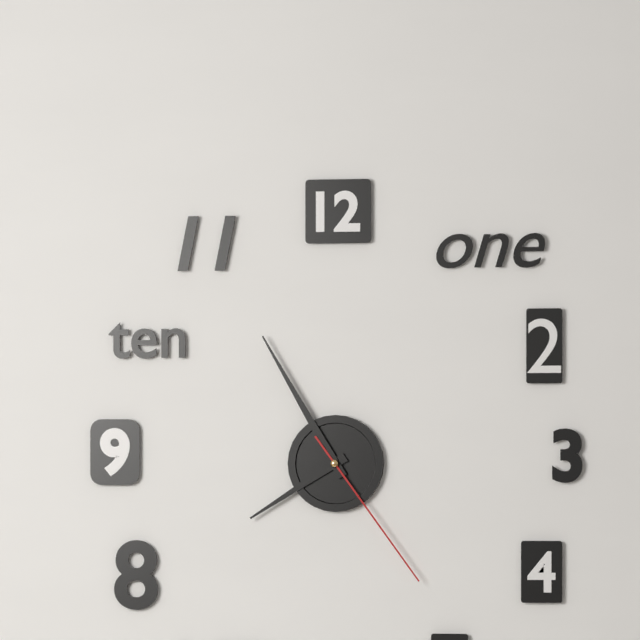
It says 7:55:24
